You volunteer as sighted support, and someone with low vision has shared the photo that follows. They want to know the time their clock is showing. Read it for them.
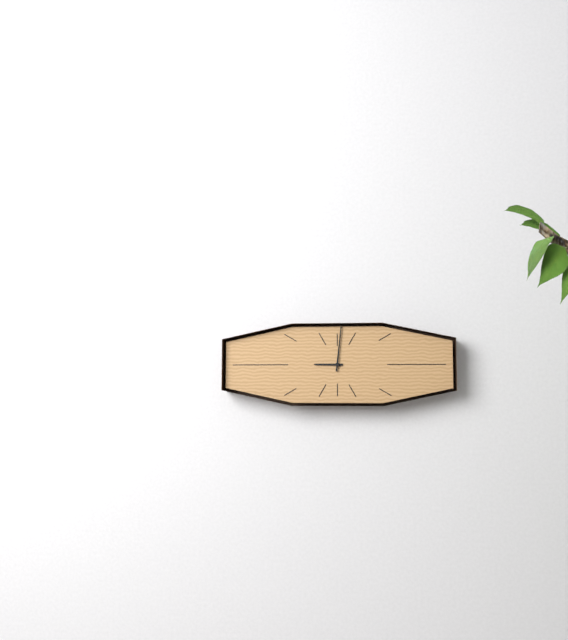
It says 9:01
